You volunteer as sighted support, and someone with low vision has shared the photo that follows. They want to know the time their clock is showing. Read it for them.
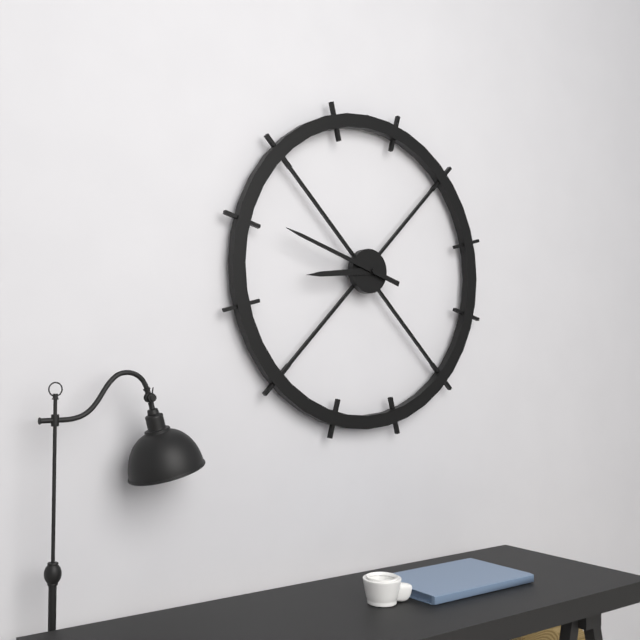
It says 8:48
